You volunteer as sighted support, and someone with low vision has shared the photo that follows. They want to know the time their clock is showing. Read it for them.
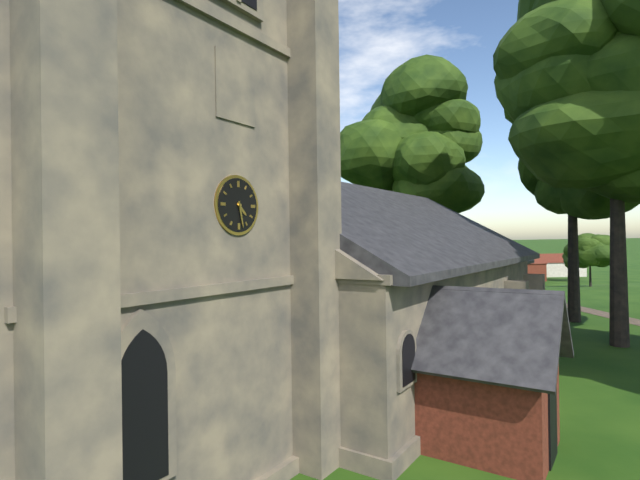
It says 4:28
